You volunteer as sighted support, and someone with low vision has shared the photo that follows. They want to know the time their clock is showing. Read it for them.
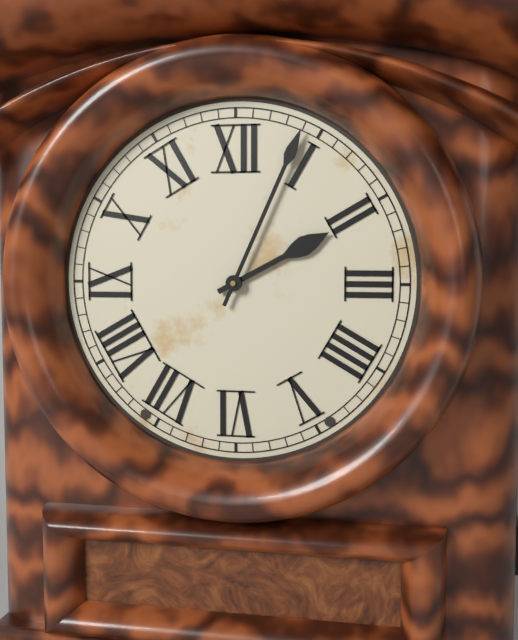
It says 2:04
